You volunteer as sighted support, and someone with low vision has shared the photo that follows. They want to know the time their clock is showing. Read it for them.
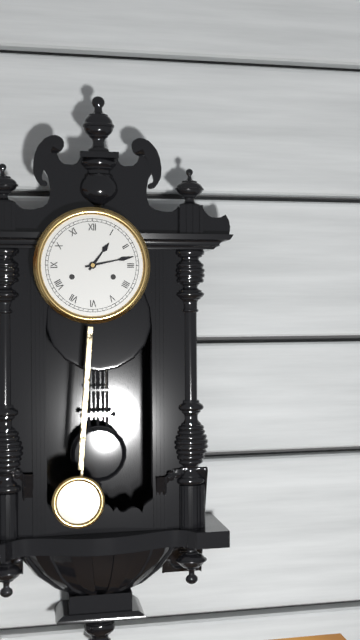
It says 1:13
